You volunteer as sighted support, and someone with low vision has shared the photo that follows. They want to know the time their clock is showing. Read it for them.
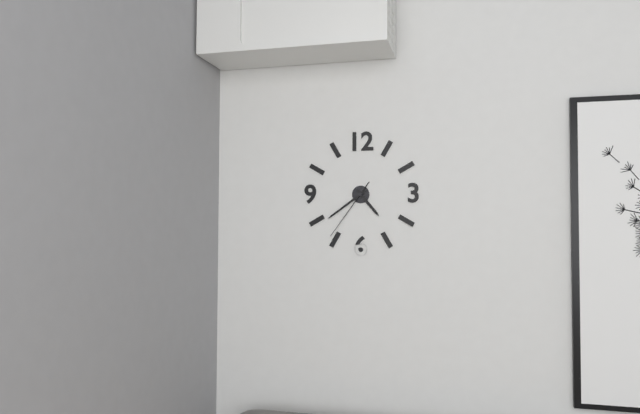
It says 4:39:36
